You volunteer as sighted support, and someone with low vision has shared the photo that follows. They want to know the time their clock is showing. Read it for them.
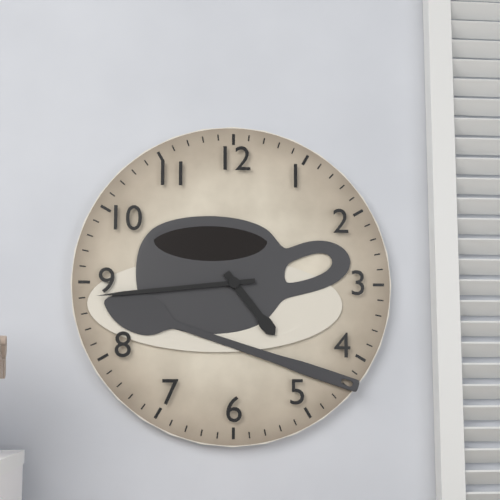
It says 4:44
